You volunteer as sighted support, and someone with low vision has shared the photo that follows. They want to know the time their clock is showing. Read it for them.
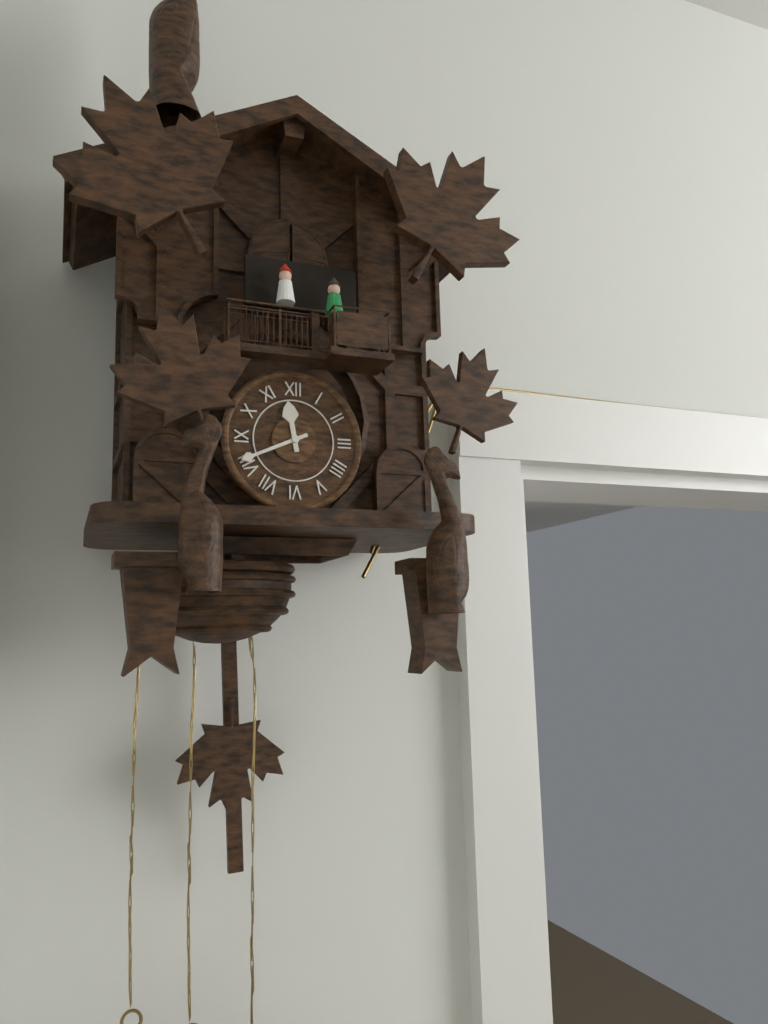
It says 11:41
